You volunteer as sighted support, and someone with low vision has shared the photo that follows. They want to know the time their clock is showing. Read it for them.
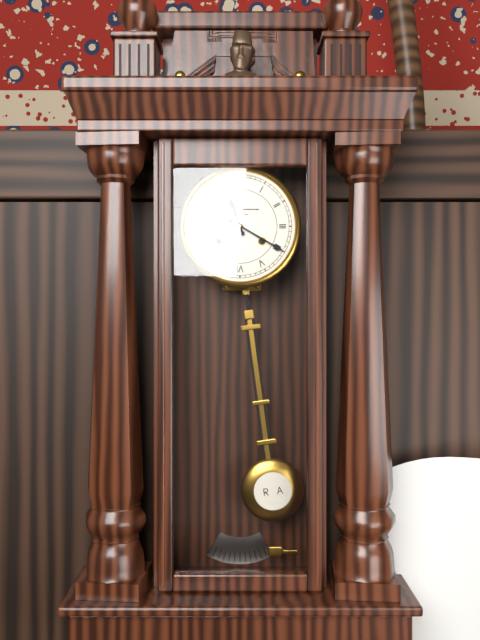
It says 11:20
